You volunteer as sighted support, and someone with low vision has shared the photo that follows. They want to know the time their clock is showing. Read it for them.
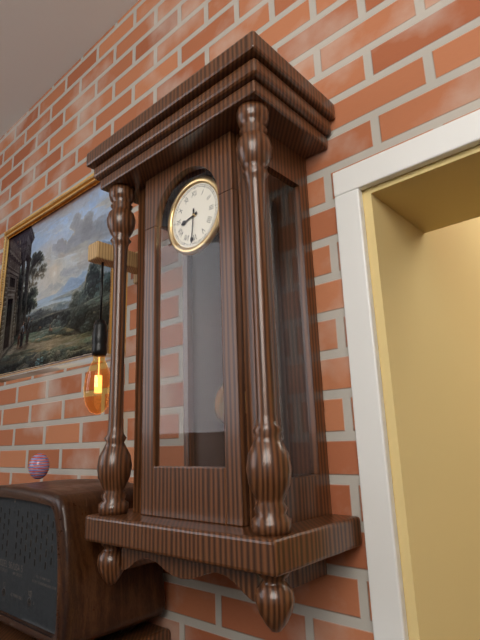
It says 8:31
